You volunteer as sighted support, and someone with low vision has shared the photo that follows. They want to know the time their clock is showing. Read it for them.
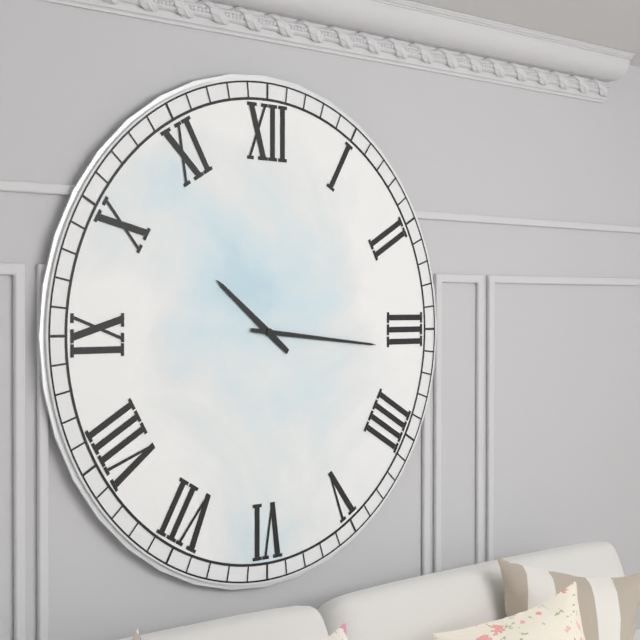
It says 10:16
